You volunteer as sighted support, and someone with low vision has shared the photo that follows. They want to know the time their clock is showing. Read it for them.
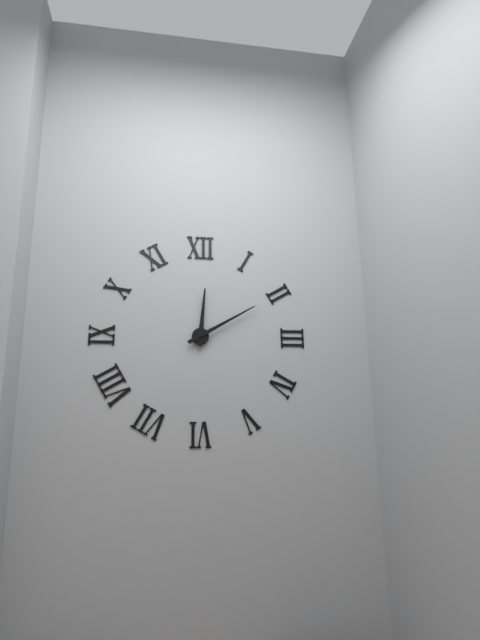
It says 12:10
